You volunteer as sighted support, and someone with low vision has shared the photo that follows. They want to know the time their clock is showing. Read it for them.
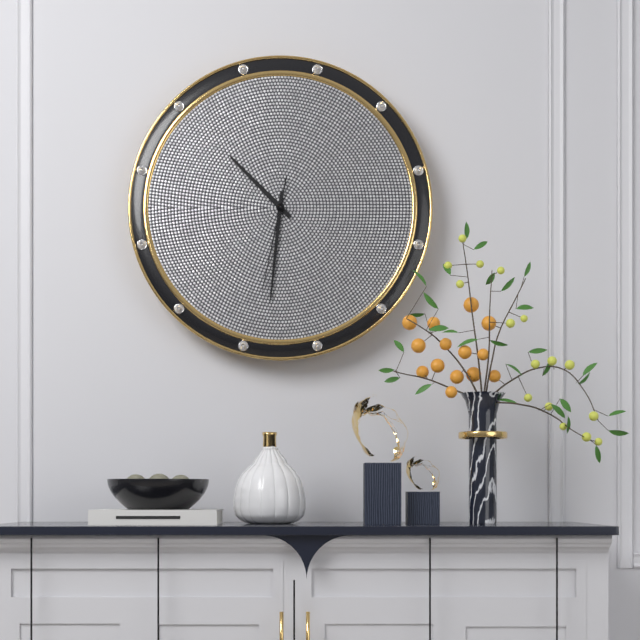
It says 10:31:32
